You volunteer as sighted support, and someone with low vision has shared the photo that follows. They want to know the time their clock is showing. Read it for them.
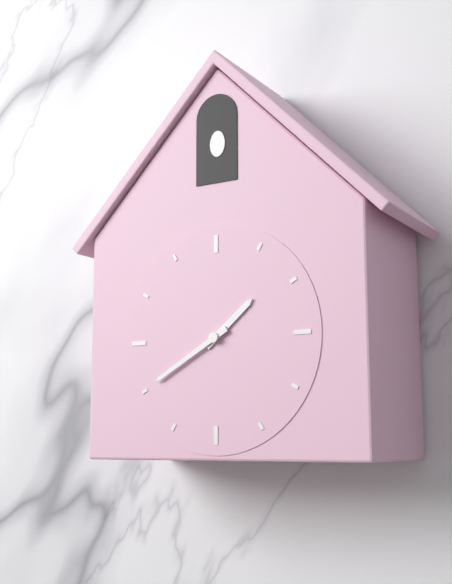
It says 1:40
